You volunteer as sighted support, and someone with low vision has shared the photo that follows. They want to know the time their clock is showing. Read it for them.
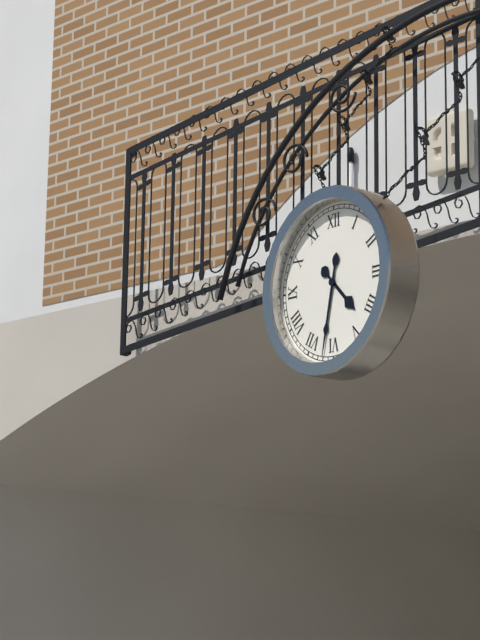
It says 4:32
